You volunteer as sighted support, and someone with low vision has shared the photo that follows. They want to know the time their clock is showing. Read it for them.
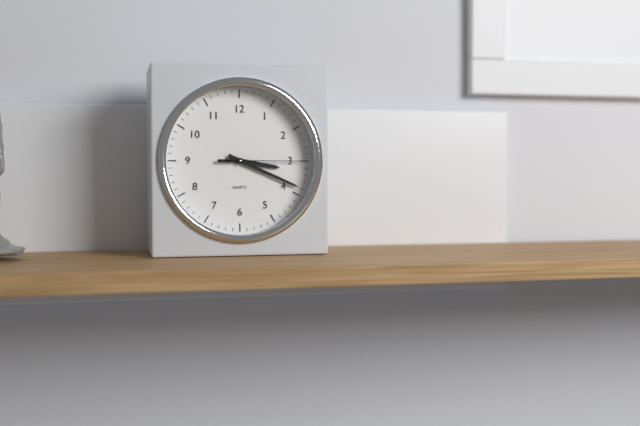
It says 3:19:15
